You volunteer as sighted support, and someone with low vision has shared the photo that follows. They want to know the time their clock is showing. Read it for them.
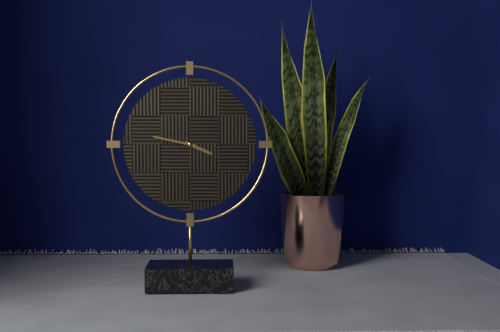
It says 3:47
